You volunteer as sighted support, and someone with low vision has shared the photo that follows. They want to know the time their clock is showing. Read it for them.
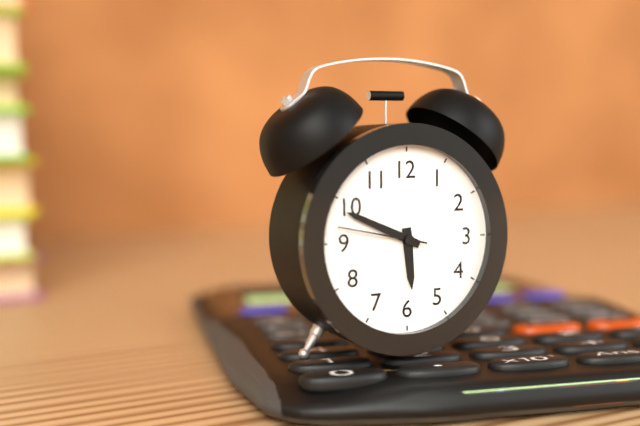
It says 5:49:47
